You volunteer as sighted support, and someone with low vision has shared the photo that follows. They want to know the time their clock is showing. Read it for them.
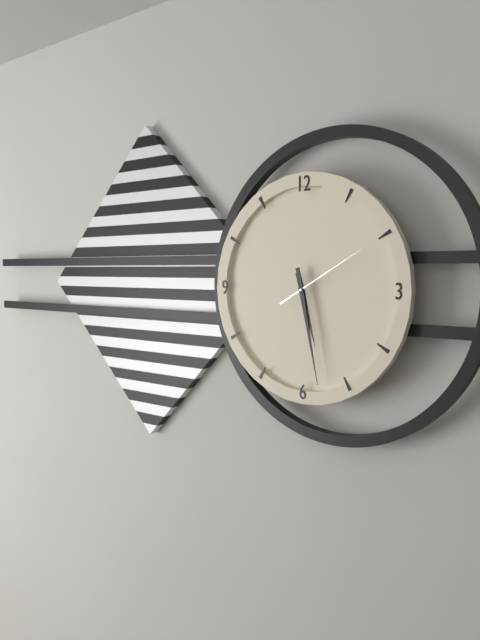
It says 5:28:10
